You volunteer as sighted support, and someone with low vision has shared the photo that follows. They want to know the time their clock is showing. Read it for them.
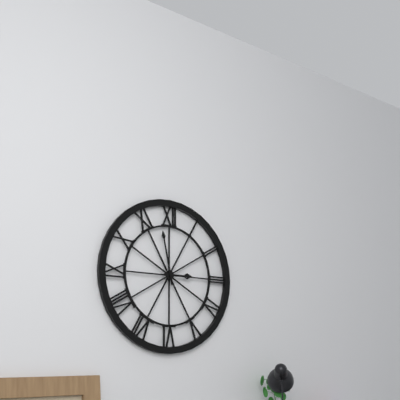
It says 2:58
